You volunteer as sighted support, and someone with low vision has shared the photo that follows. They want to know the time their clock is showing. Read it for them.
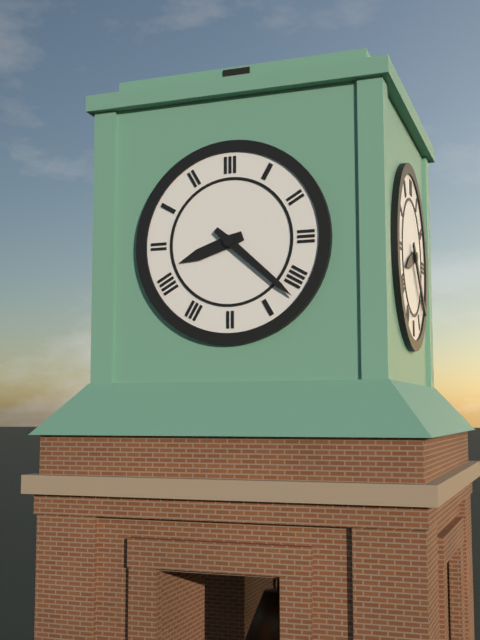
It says 8:22
